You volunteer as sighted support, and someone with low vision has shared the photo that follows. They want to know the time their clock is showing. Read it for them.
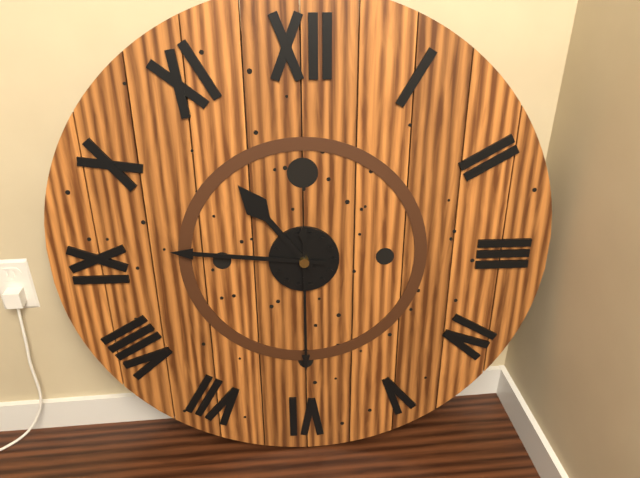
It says 10:46:30
